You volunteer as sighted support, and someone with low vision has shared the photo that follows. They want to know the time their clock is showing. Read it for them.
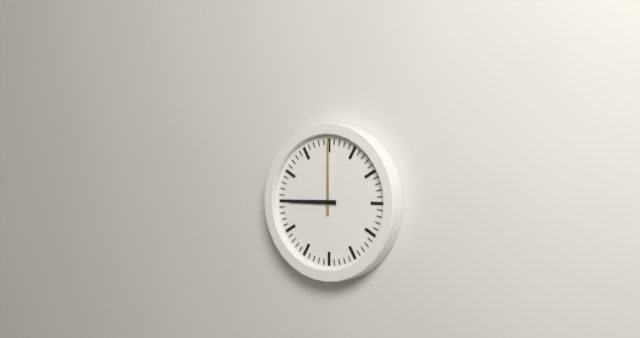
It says 9:00
